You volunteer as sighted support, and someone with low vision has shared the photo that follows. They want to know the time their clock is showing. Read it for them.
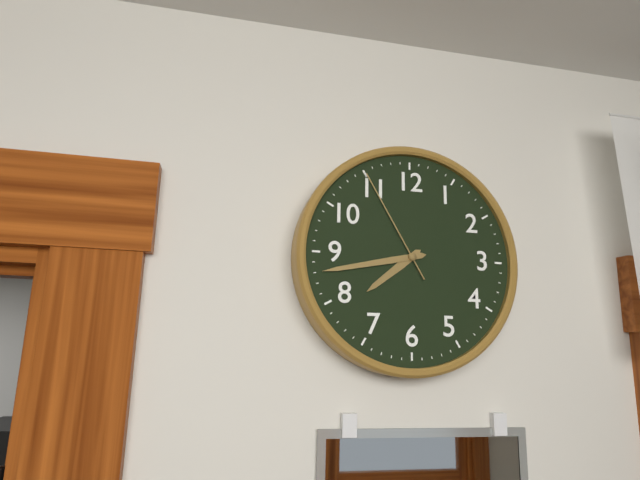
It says 7:43:55
